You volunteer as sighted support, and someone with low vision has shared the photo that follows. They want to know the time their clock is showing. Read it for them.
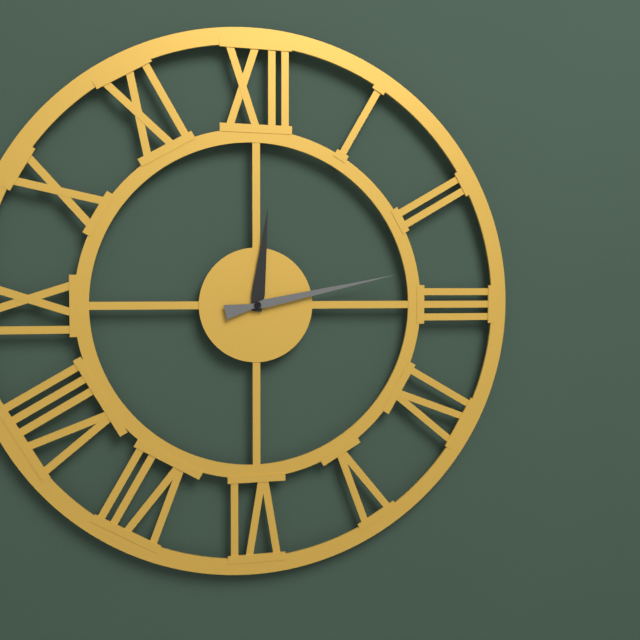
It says 12:13
